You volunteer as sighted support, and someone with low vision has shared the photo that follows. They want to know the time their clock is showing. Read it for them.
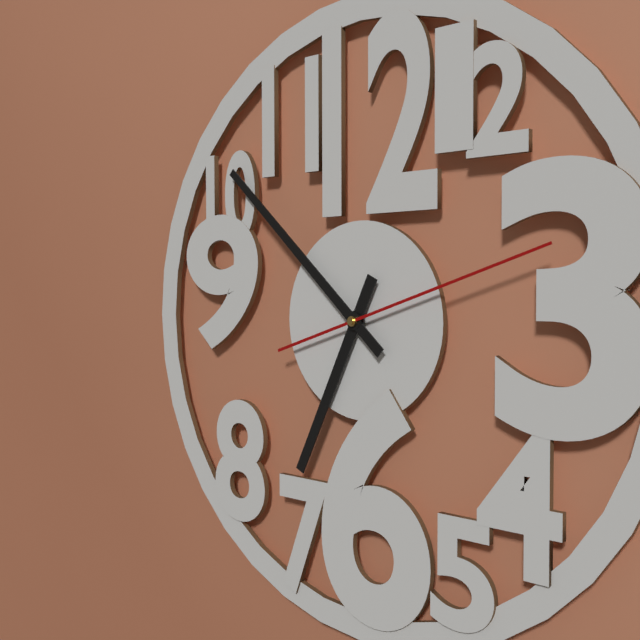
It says 6:52:12
